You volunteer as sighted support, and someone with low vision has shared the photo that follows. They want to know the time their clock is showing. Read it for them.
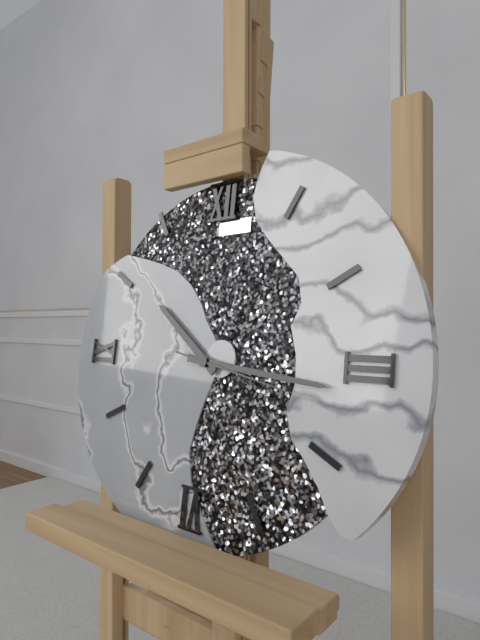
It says 10:16:17
